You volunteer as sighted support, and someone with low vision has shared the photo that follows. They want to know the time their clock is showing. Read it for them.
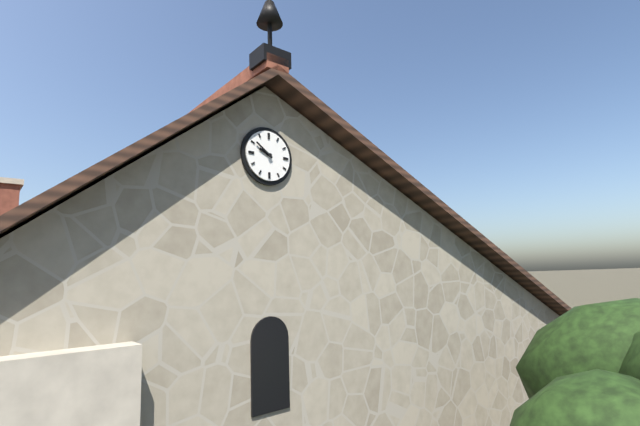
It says 9:51
